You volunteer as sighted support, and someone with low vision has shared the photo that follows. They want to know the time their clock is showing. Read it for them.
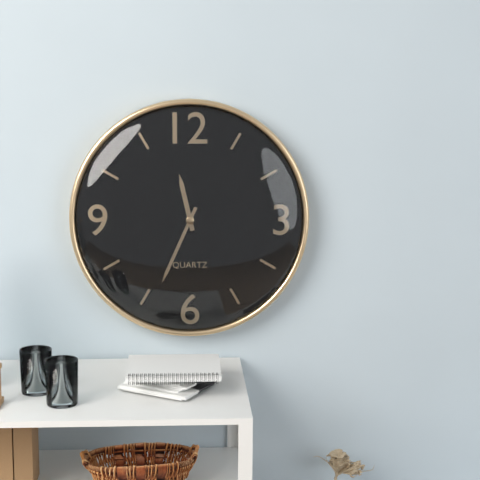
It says 11:34
